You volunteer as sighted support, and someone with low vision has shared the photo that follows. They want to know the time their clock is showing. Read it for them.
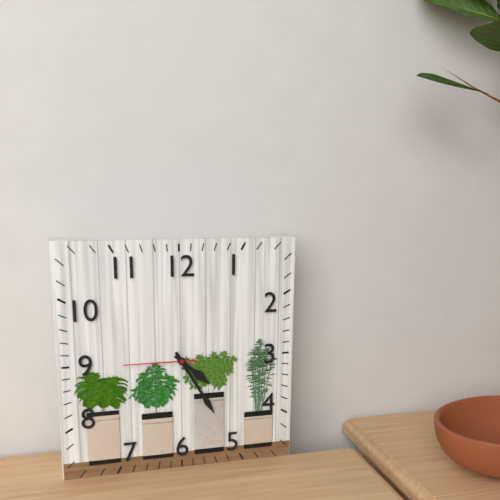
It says 4:25:45
